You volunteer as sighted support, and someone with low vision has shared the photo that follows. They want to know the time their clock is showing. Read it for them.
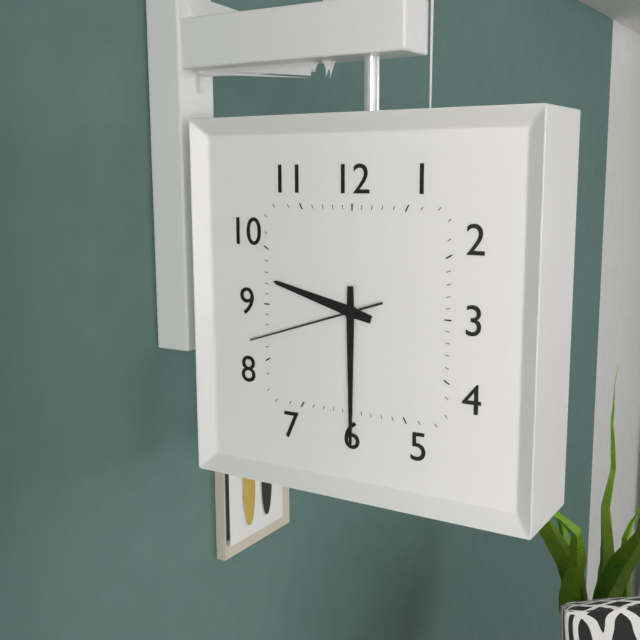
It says 9:30:42
